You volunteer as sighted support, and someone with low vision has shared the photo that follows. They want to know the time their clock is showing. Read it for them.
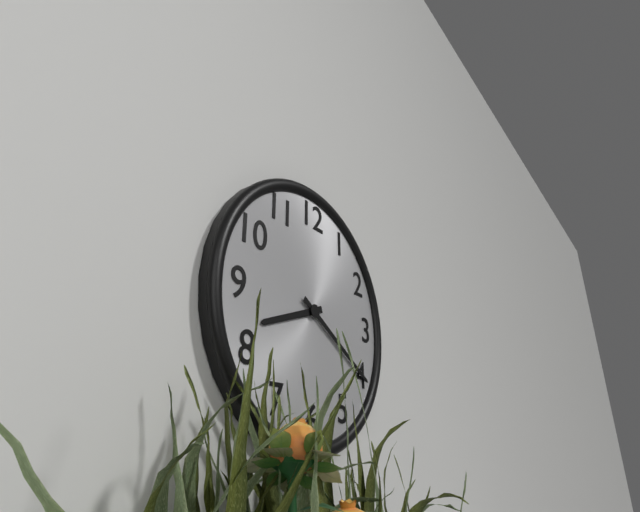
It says 8:20
